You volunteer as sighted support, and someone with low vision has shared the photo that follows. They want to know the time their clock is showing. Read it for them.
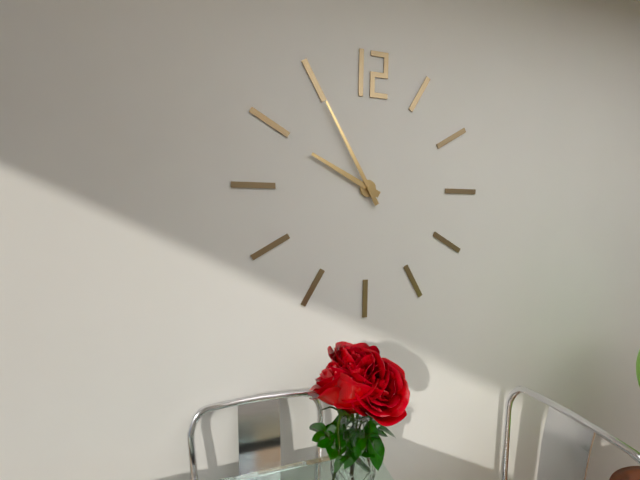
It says 9:55
